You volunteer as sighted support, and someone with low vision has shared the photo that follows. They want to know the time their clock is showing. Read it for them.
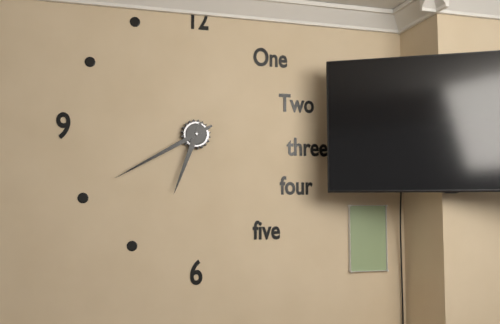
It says 6:40
